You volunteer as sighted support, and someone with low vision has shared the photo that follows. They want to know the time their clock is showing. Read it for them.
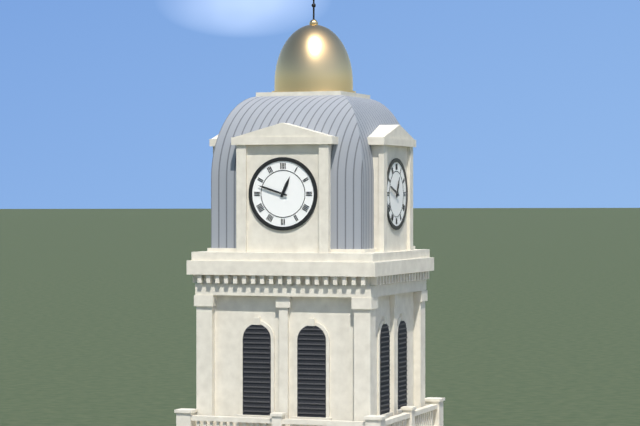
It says 12:48
